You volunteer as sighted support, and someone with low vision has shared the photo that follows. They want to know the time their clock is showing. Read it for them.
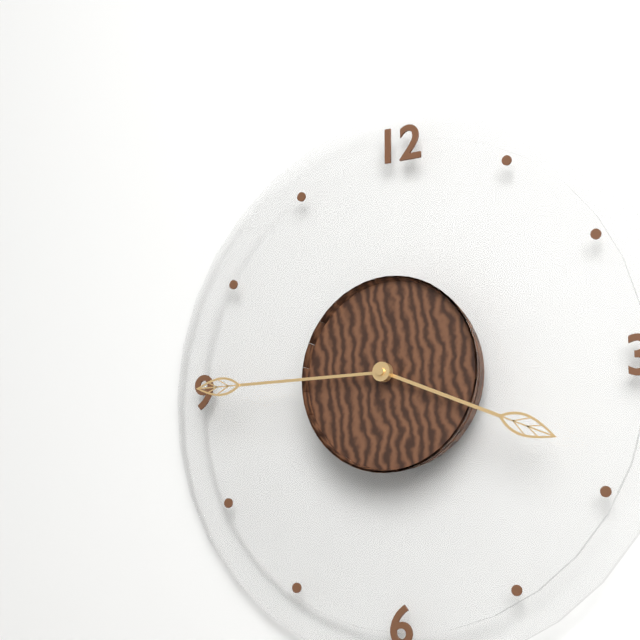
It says 3:45
